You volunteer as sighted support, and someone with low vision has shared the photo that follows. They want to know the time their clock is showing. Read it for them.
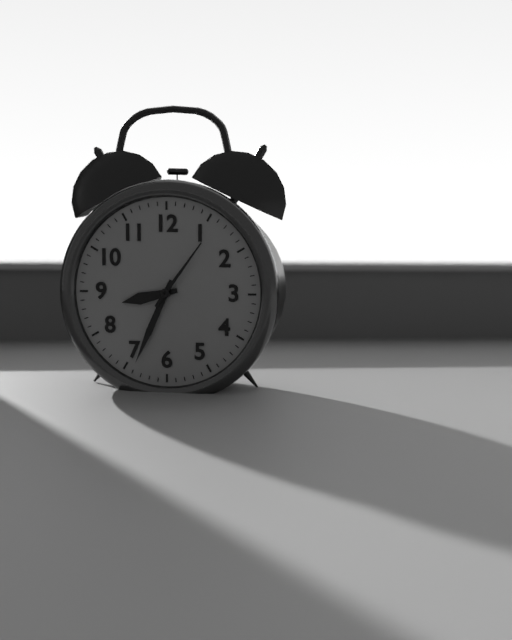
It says 8:34:06
